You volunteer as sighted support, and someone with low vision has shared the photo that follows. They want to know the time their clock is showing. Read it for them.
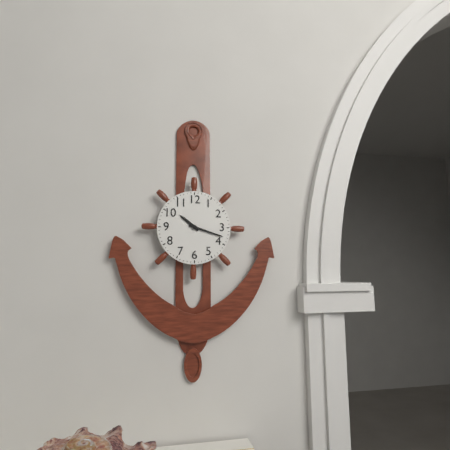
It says 10:18
